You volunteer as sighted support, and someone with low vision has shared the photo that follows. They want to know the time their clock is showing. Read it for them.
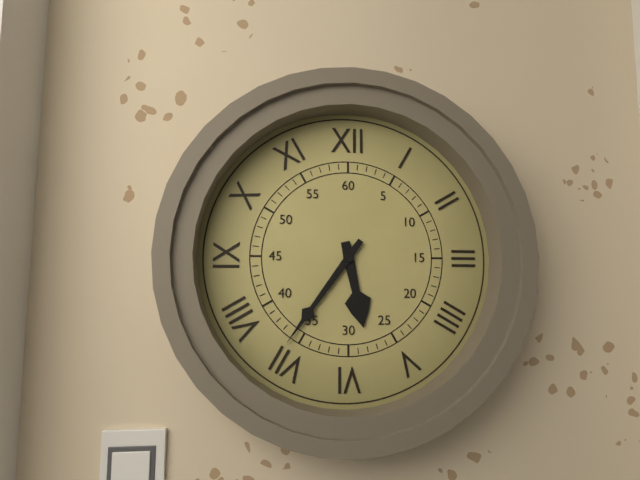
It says 5:36
